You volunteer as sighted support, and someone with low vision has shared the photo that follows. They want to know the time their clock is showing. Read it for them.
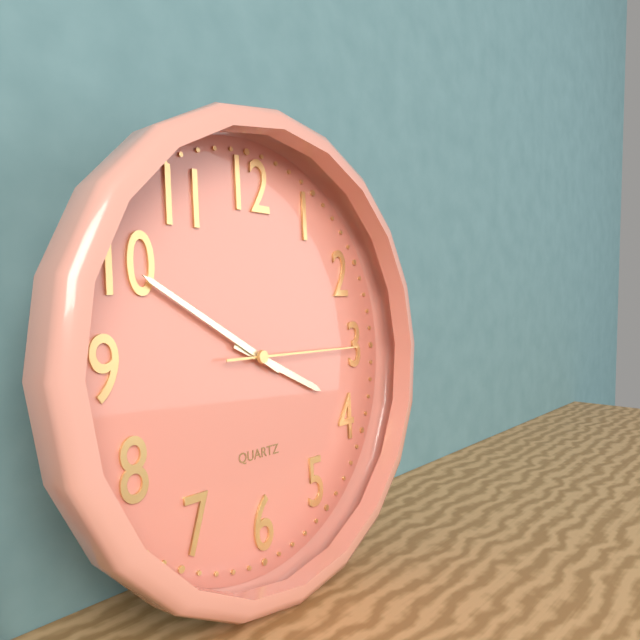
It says 3:50:15
